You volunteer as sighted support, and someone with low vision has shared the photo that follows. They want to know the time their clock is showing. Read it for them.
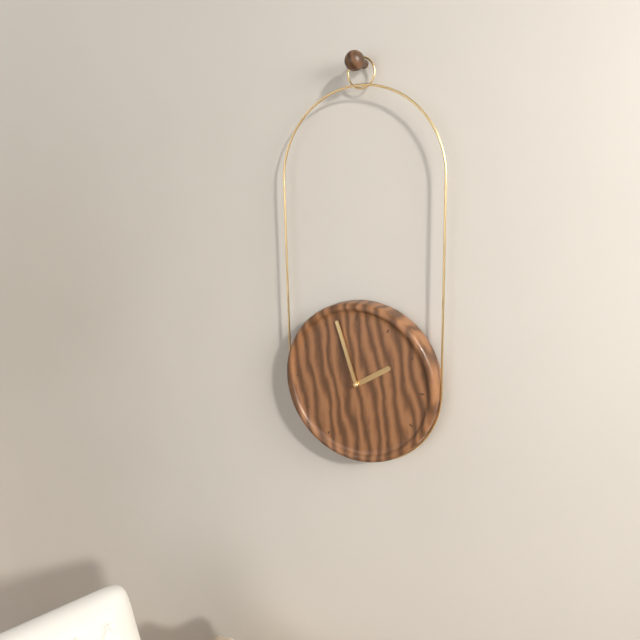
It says 1:57
